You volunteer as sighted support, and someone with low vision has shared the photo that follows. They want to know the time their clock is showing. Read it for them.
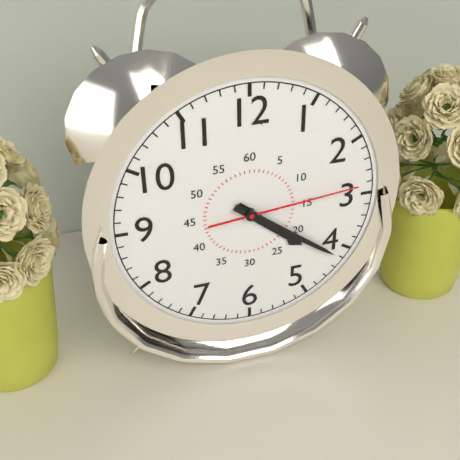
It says 4:21:14
